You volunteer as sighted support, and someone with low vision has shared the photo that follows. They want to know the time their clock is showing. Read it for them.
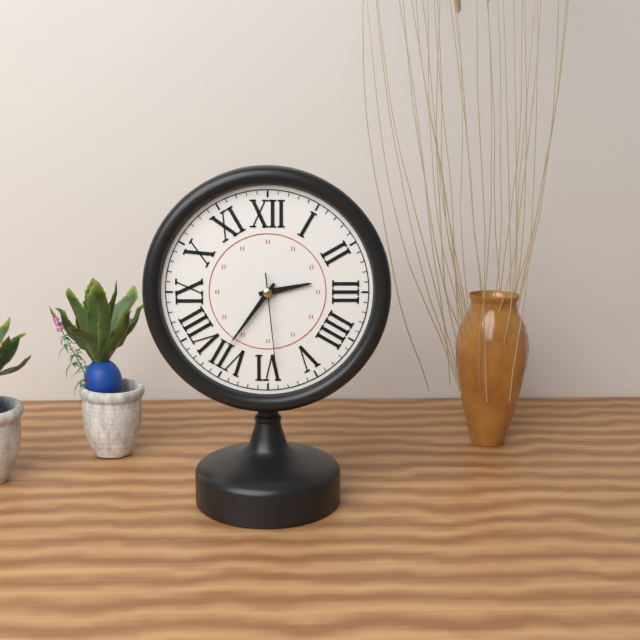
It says 2:36:29
